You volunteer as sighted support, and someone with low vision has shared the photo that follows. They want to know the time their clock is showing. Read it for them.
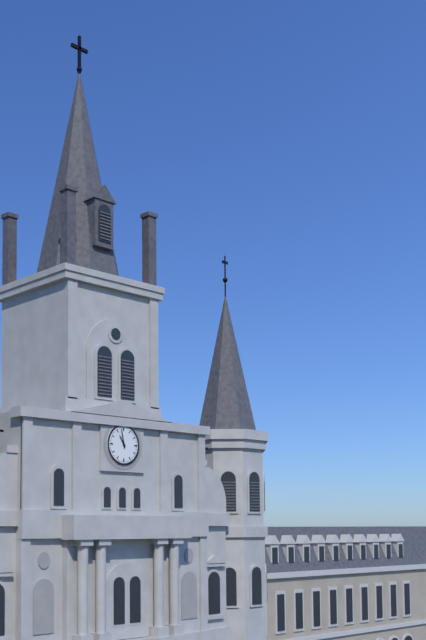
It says 10:58
